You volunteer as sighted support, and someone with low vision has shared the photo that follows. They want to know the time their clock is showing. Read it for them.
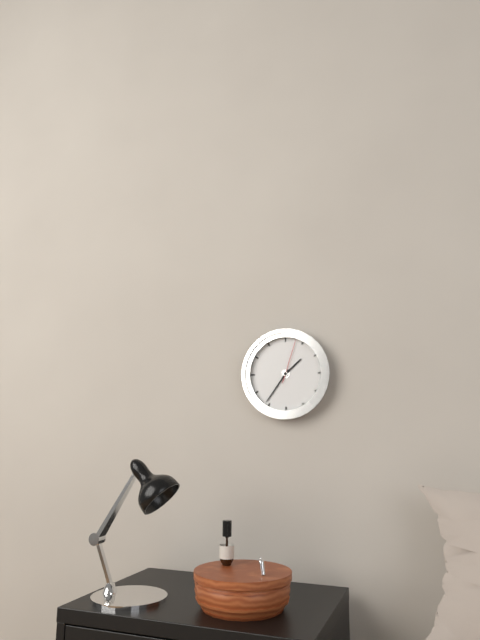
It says 1:36
